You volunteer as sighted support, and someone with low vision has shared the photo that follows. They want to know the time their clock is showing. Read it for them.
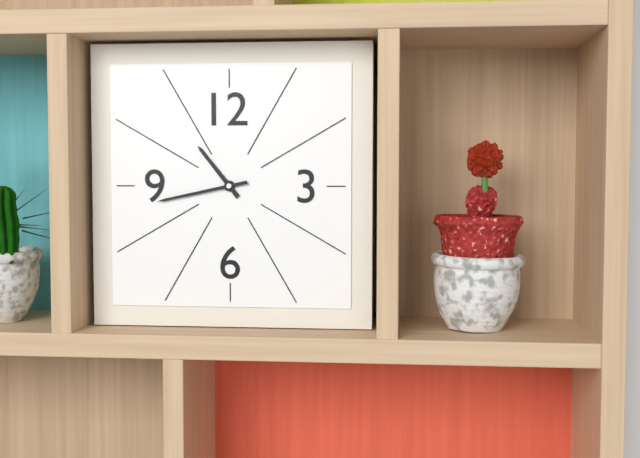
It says 10:43
